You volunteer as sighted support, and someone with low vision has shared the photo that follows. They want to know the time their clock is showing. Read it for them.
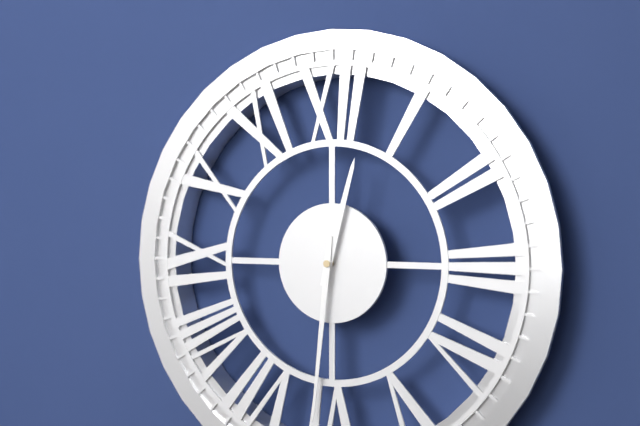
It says 12:31
